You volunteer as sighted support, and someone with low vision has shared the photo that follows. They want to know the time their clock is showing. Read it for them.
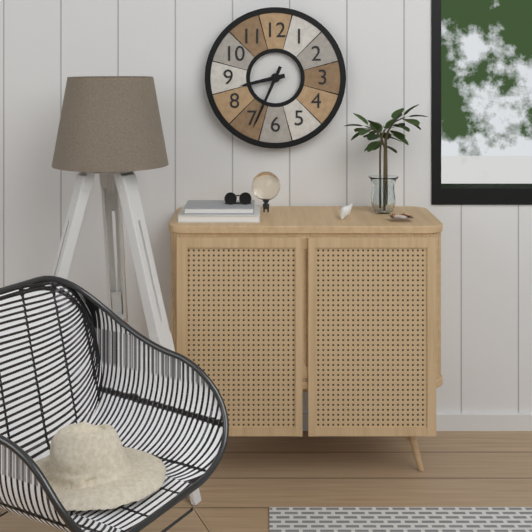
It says 8:34
